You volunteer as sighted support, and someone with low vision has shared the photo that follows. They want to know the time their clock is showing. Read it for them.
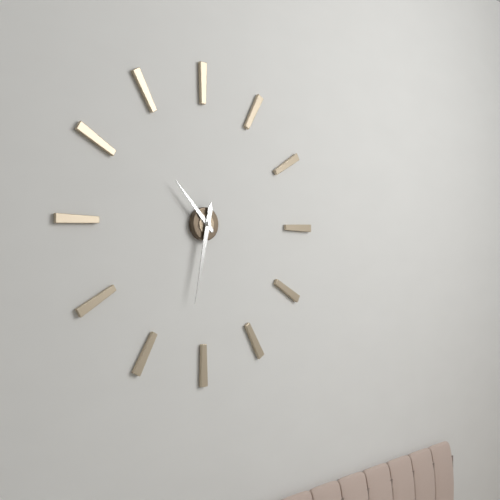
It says 10:32
